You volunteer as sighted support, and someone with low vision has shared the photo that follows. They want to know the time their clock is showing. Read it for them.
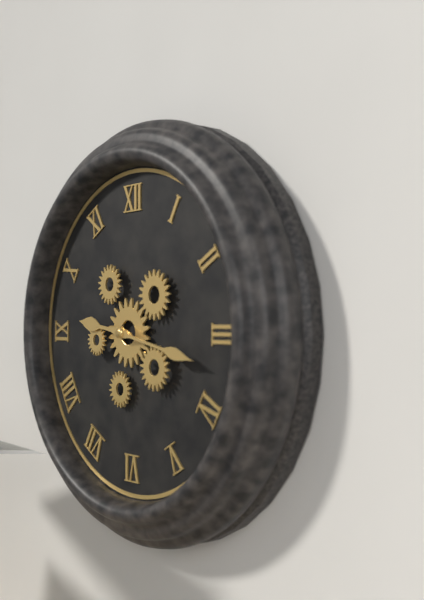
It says 9:17
